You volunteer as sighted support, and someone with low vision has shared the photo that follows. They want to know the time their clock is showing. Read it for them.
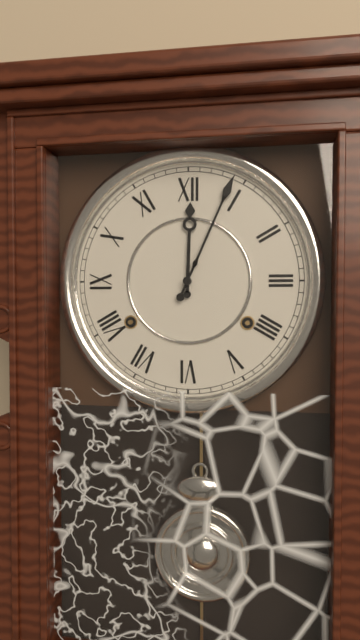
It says 12:04
